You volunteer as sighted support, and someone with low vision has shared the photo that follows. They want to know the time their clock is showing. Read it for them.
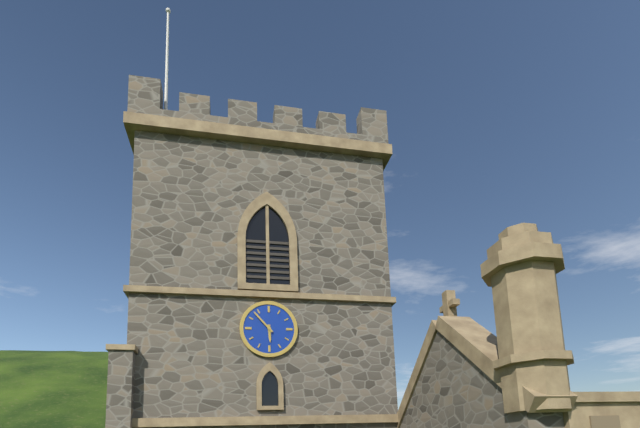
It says 5:53
